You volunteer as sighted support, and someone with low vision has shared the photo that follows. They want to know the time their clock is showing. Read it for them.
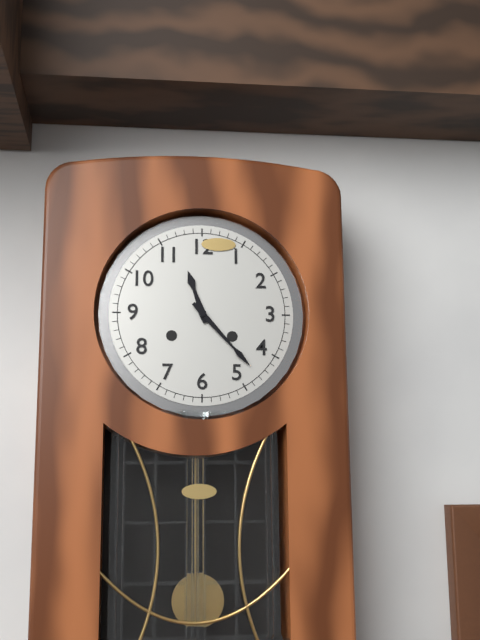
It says 11:23
